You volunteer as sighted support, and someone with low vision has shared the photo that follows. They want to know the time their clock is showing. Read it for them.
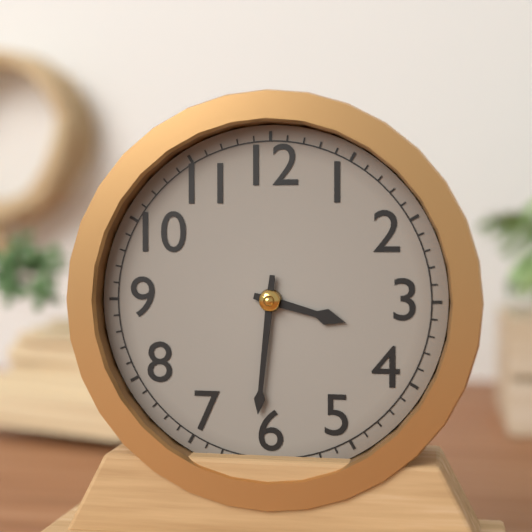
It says 3:31
